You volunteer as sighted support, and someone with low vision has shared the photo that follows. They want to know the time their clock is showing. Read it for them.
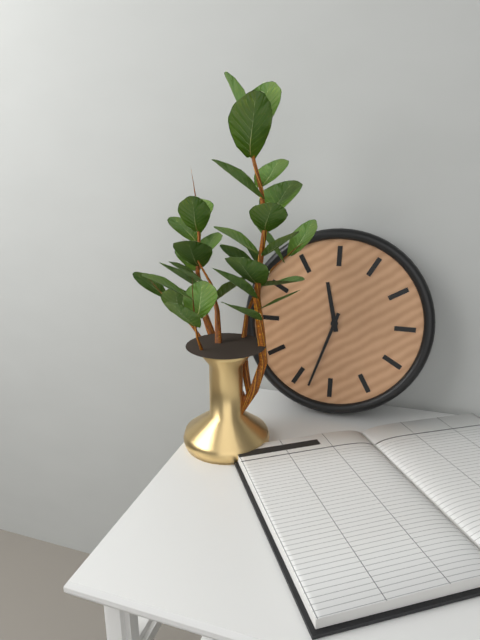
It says 11:33
